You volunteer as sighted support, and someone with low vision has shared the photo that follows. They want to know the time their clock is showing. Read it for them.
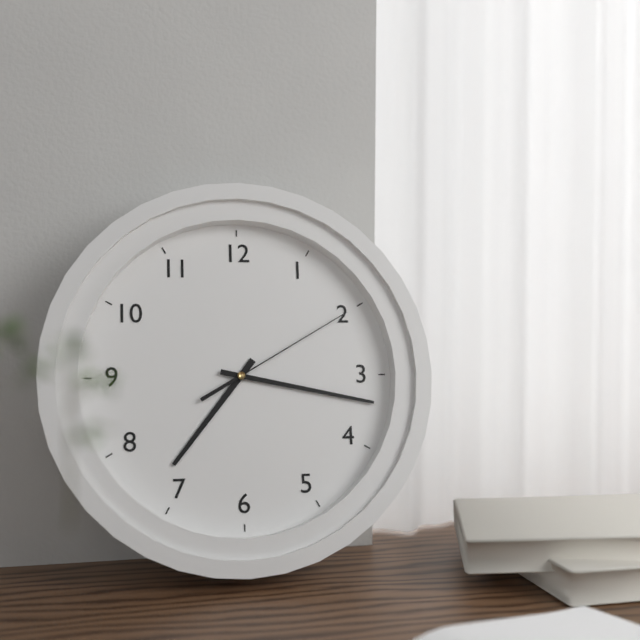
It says 7:17:10
